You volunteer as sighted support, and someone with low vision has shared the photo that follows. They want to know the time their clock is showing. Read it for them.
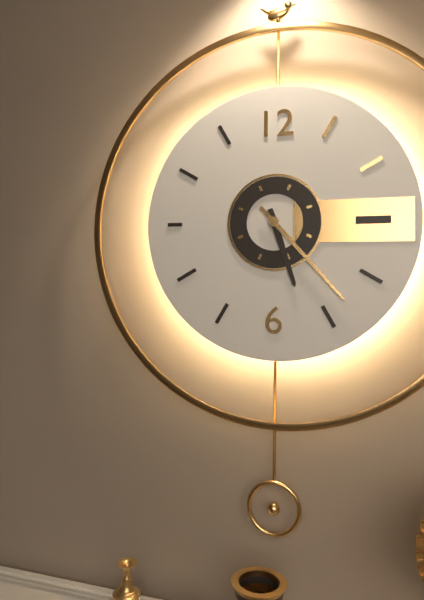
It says 5:23
